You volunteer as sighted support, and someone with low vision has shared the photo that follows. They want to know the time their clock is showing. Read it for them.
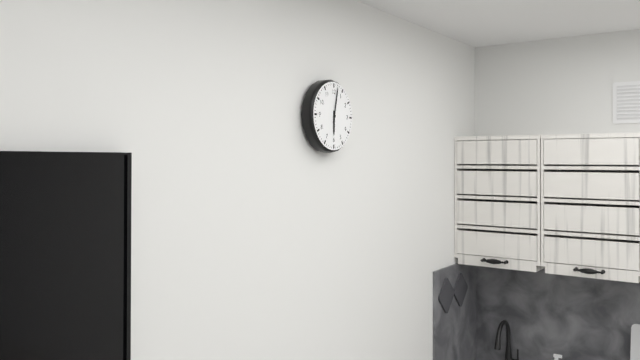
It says 6:02
